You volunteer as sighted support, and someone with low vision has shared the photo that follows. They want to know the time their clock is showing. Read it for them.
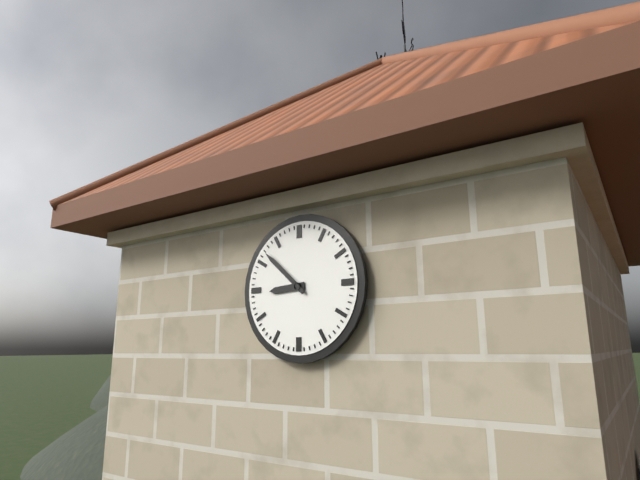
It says 8:52
